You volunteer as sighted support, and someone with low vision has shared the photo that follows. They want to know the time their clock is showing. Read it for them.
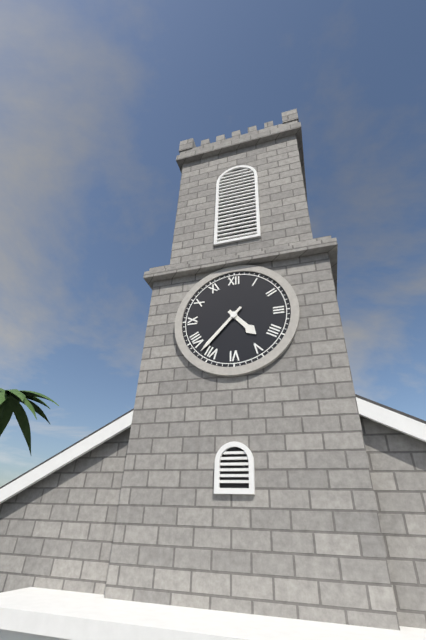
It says 4:37
